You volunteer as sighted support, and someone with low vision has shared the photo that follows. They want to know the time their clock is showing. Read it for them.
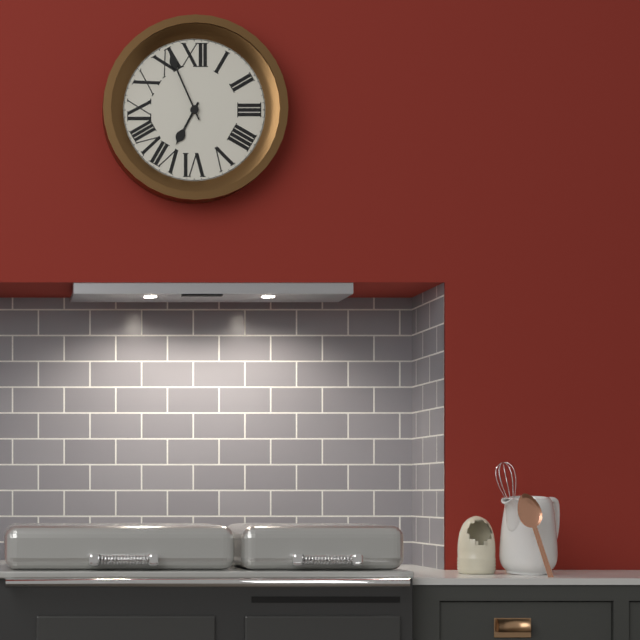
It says 6:56
